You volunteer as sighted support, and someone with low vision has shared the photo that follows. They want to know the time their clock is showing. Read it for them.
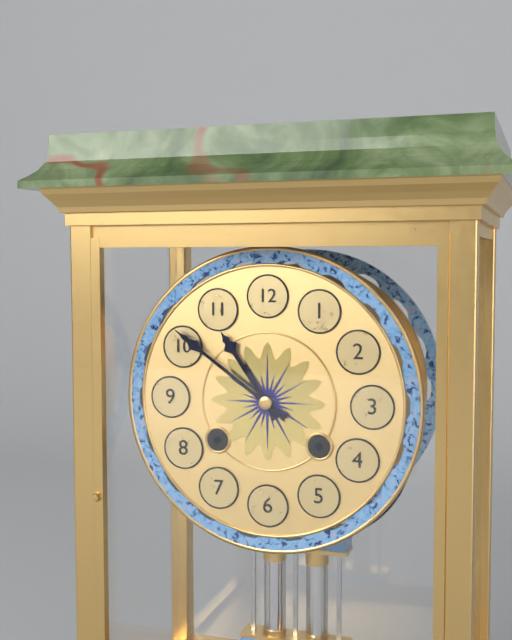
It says 10:51
